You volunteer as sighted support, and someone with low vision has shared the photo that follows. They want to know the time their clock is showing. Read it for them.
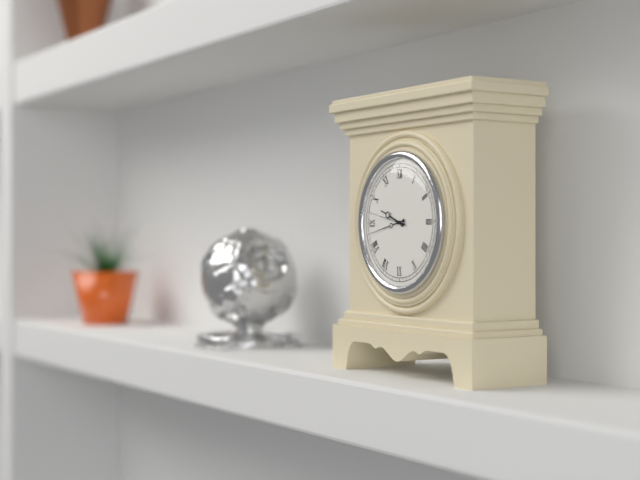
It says 9:43
